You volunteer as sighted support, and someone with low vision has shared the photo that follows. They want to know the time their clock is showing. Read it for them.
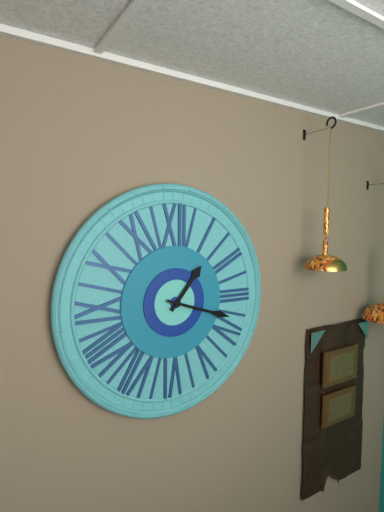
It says 1:18
